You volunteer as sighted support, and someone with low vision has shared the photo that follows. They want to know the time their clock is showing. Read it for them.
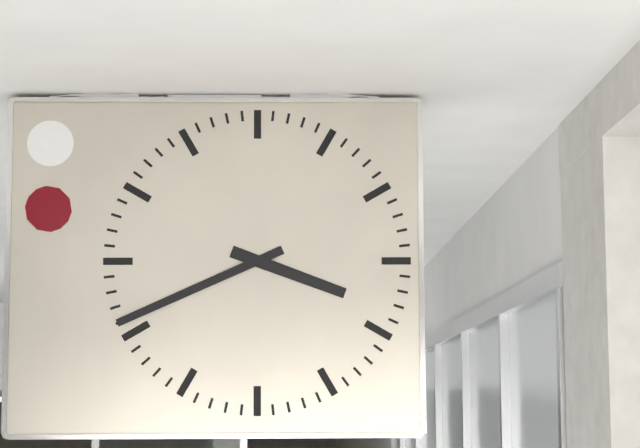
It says 3:41
